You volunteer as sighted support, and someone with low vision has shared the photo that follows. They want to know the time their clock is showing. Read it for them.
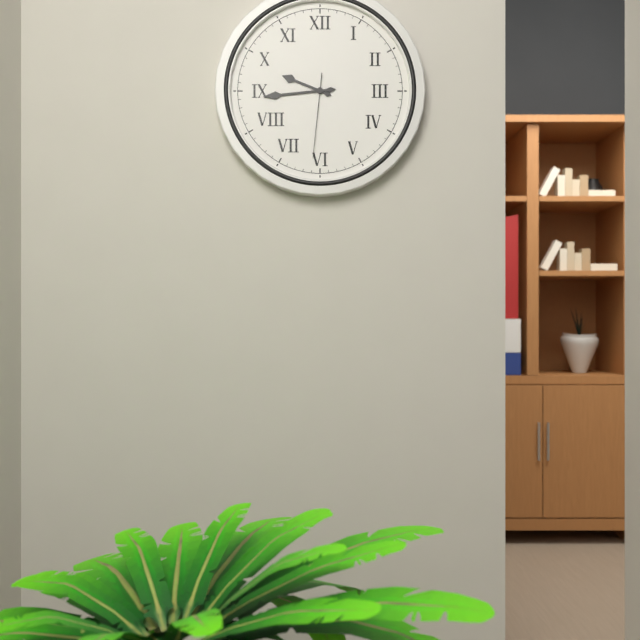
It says 9:44:31
